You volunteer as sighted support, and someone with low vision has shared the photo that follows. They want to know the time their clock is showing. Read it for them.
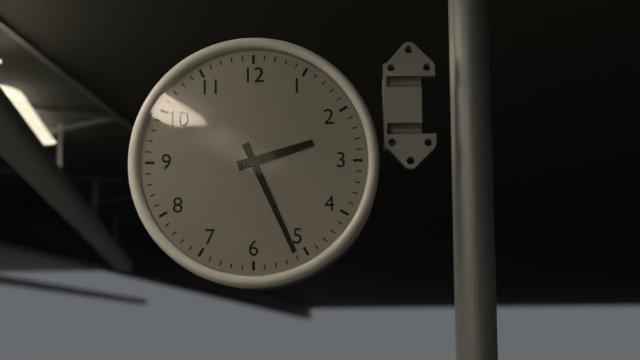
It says 2:26
